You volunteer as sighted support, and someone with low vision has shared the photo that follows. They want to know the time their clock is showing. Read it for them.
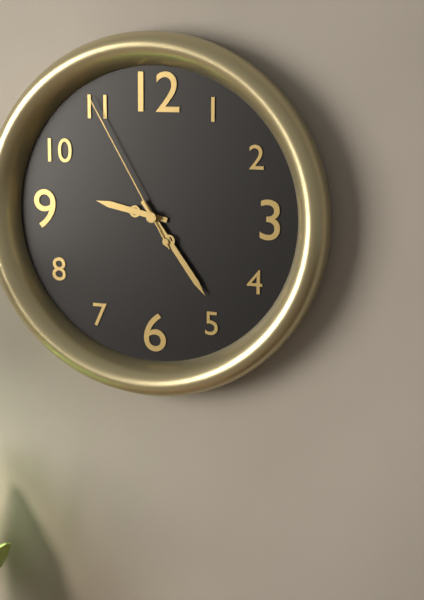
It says 9:24:55
